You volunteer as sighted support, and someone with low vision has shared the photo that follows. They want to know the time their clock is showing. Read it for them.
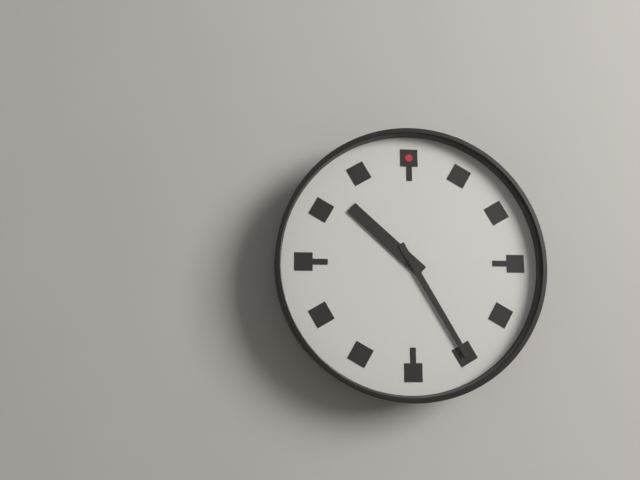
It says 10:25
